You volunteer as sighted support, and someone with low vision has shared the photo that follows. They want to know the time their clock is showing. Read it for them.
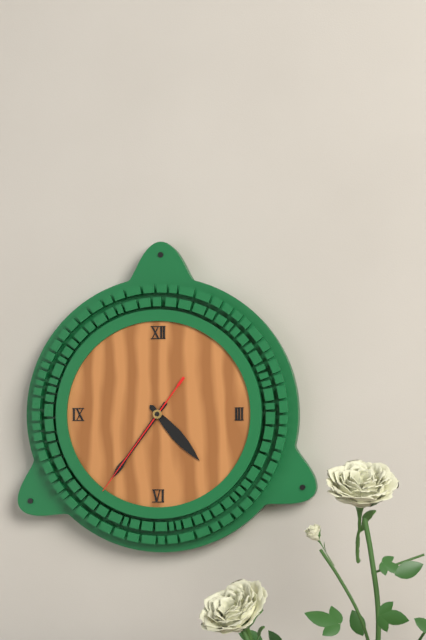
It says 4:36:36
